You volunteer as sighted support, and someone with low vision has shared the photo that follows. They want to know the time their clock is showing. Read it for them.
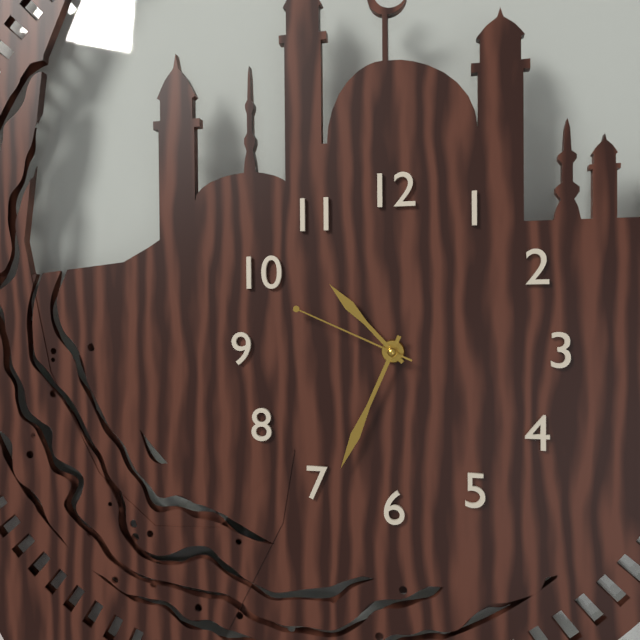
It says 10:34:49
